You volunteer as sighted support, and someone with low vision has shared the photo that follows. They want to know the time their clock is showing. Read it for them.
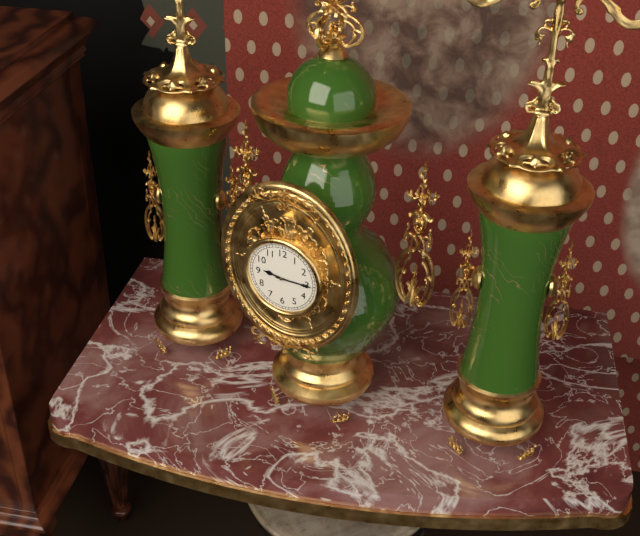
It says 9:15
